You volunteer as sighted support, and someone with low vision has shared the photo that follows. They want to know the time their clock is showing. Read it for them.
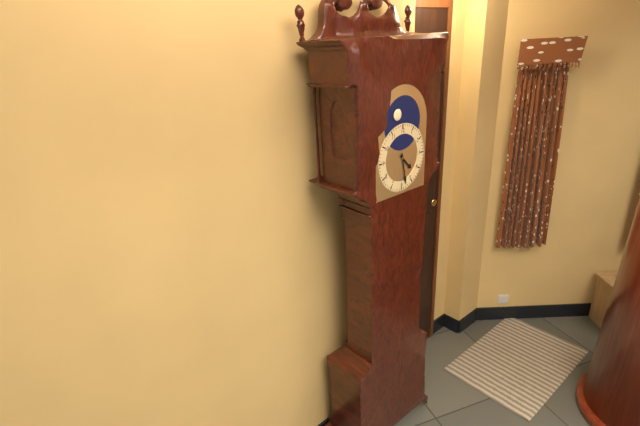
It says 4:28
